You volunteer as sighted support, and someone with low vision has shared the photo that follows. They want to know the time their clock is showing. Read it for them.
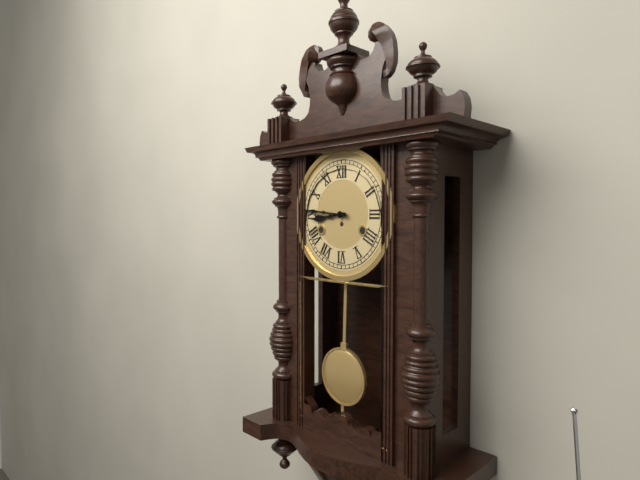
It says 8:46
